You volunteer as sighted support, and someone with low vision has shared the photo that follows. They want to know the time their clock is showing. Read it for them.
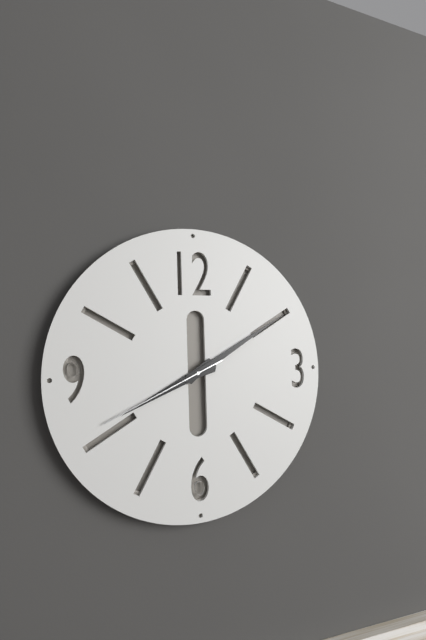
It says 8:10:41
